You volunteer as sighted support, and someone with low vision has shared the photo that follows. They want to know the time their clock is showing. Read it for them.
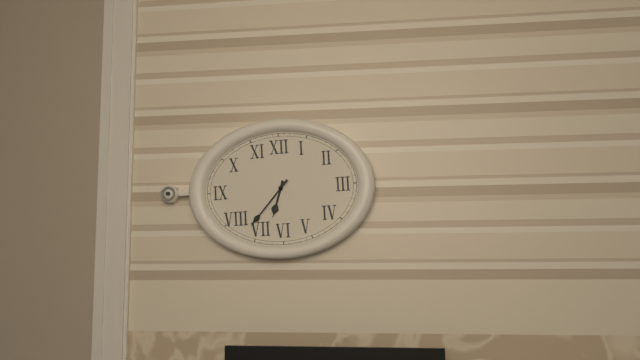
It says 6:37
